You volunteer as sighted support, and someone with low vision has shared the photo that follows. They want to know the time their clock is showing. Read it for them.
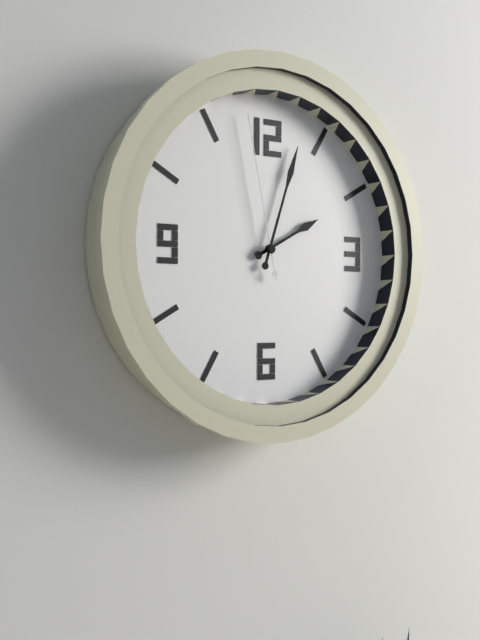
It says 2:03:58
